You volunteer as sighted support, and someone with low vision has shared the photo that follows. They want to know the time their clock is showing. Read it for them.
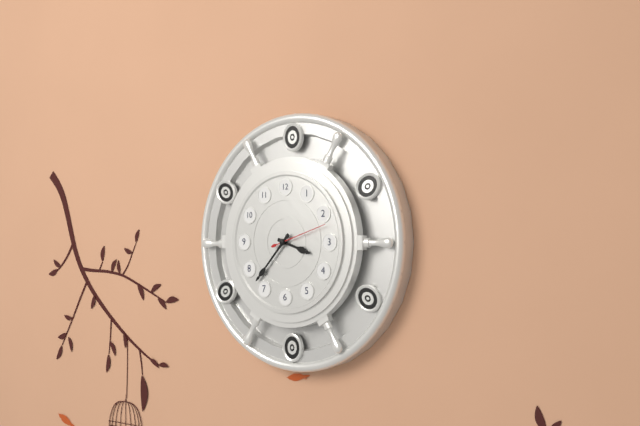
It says 3:37:12
